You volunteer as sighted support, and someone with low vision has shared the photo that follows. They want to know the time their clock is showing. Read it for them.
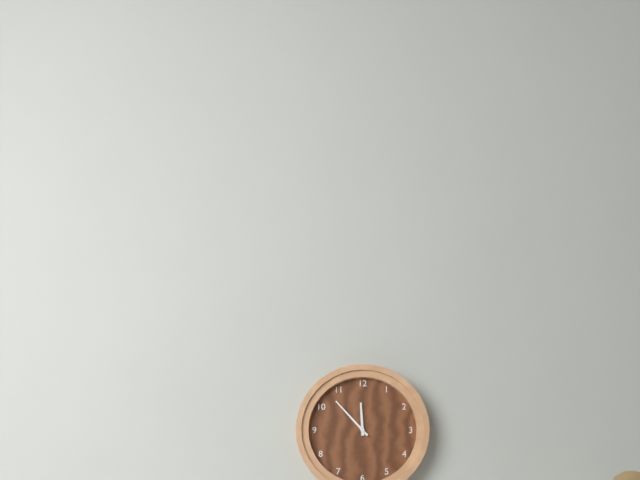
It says 11:53
